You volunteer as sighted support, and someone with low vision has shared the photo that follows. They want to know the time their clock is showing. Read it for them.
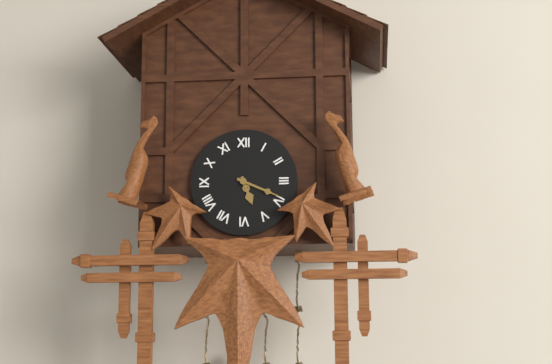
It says 5:19
